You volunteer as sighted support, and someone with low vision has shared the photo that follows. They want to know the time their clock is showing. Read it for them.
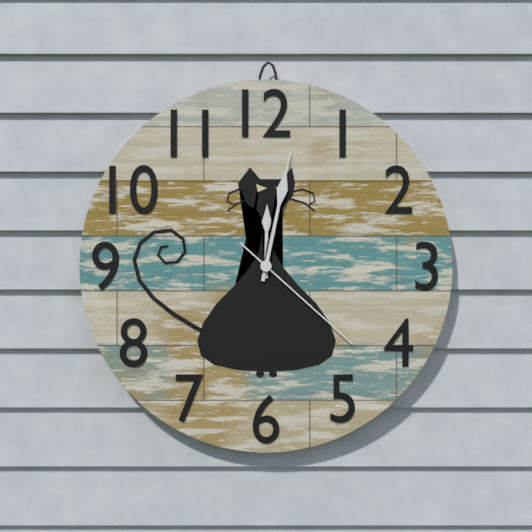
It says 12:02:22
